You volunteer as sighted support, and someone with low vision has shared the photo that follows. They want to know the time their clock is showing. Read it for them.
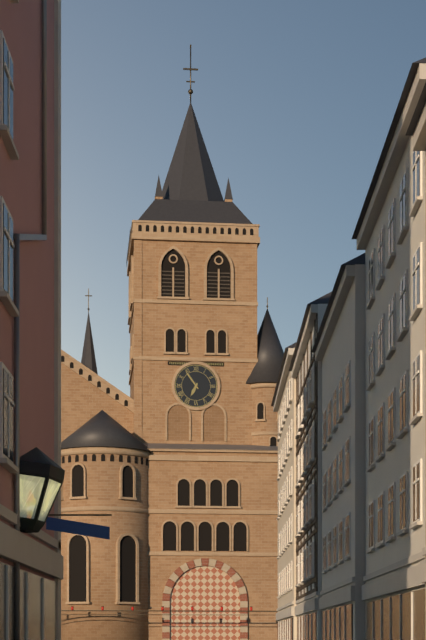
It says 6:54
